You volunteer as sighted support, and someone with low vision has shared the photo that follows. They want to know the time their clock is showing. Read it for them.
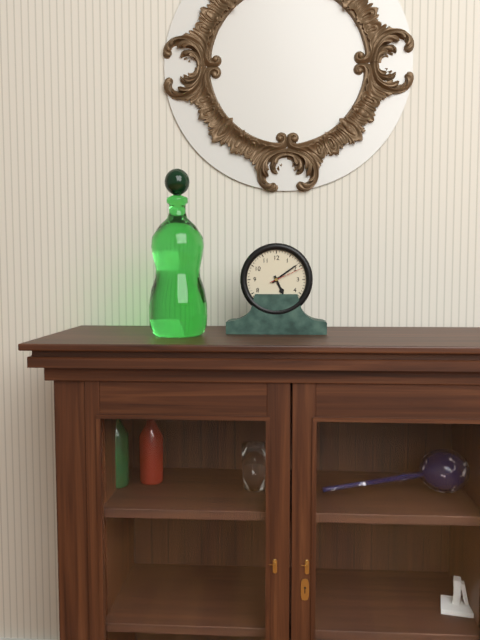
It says 5:09
